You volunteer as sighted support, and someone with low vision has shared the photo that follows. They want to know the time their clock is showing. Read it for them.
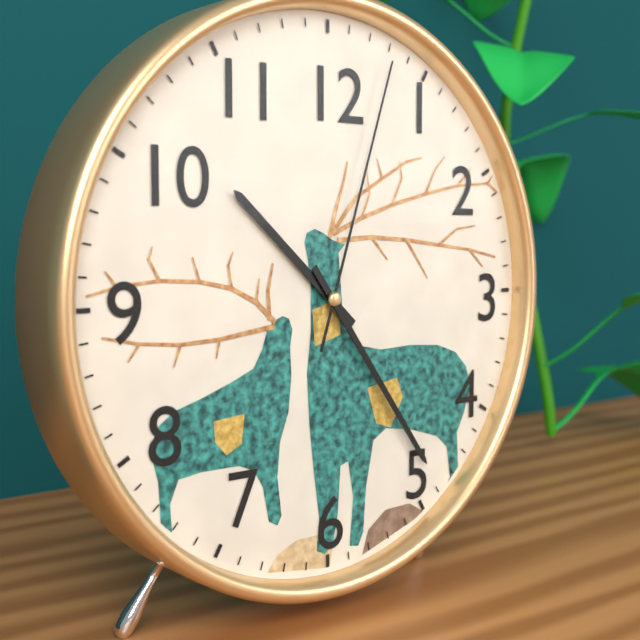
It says 10:24:03
